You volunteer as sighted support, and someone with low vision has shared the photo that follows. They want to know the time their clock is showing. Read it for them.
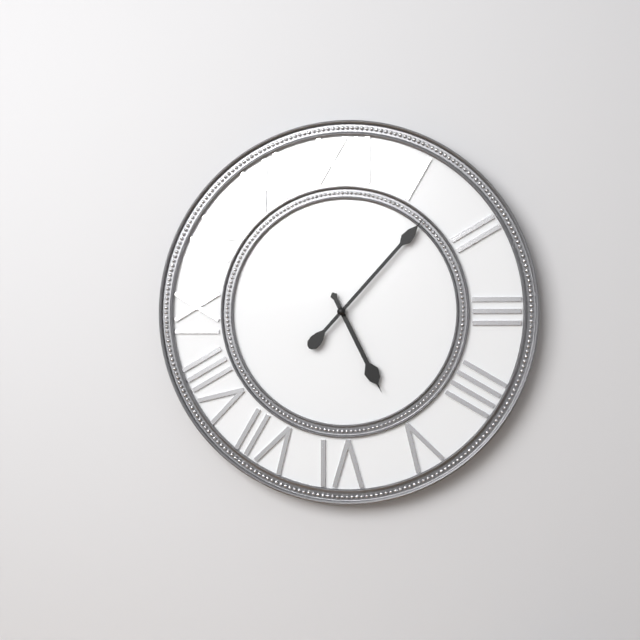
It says 5:07
